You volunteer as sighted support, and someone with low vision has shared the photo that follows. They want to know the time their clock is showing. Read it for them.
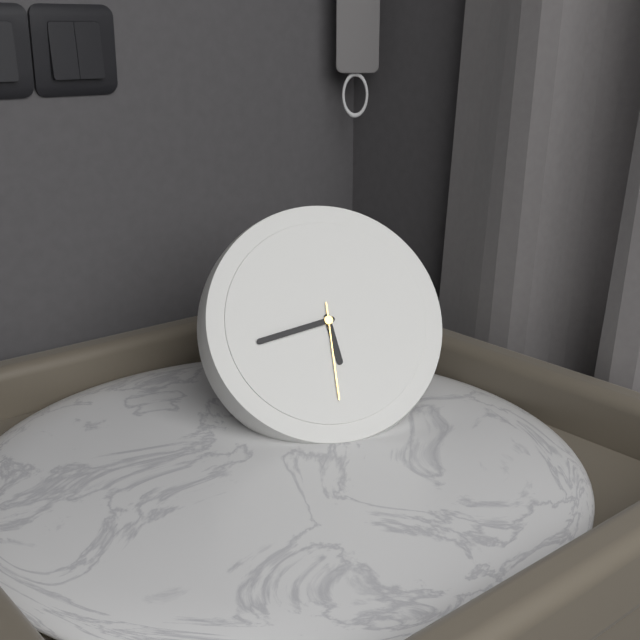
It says 5:43:30
